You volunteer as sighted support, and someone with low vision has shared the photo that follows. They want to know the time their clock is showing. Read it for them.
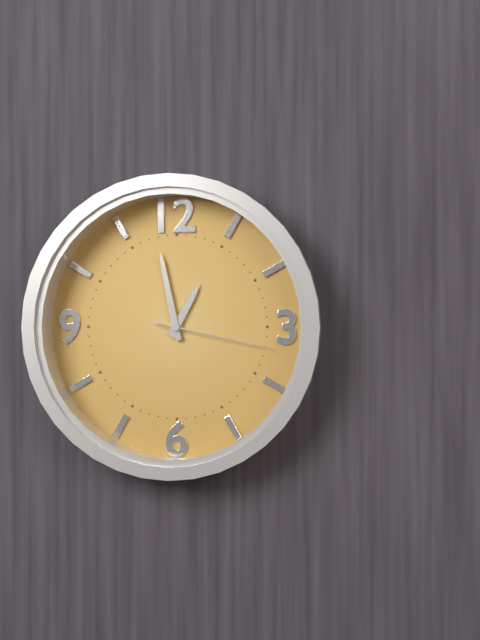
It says 12:58:17
